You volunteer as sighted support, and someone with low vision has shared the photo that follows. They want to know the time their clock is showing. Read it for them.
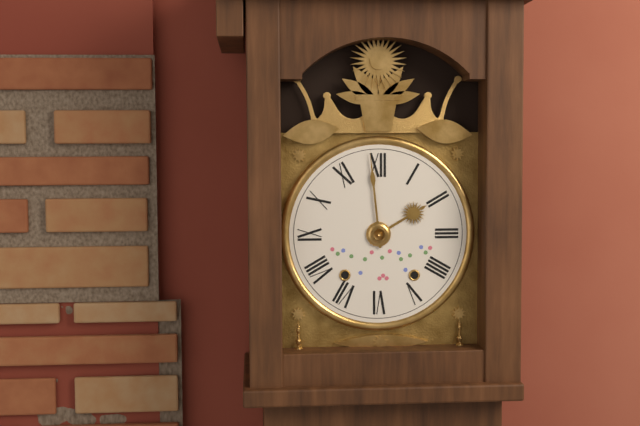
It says 1:59
